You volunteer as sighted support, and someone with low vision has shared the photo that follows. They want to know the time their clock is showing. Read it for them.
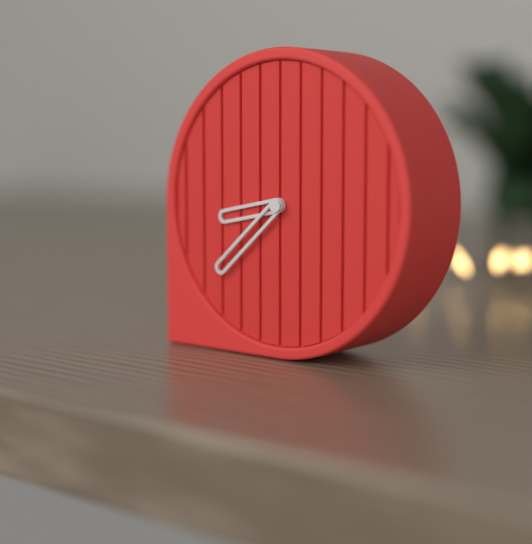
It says 8:38
